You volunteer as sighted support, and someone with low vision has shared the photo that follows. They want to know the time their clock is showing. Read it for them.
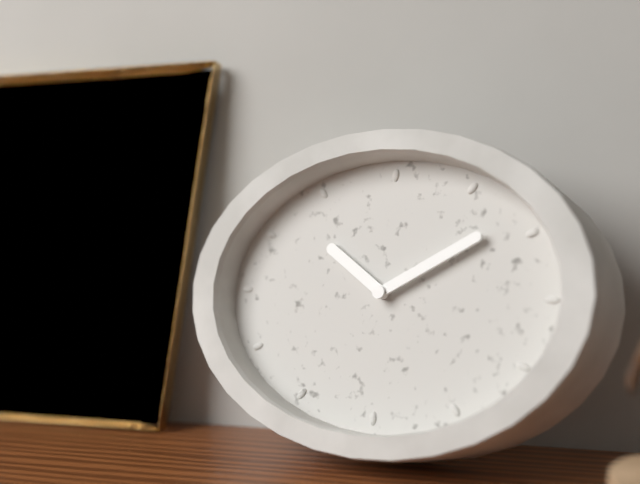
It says 10:10
